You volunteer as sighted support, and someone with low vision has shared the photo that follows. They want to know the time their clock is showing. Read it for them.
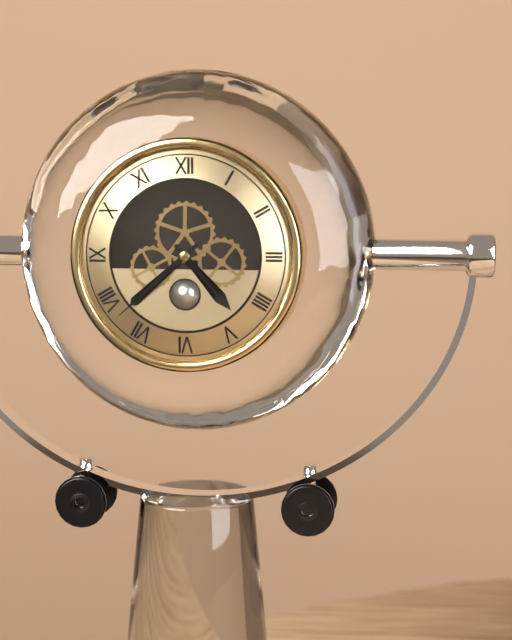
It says 4:38
